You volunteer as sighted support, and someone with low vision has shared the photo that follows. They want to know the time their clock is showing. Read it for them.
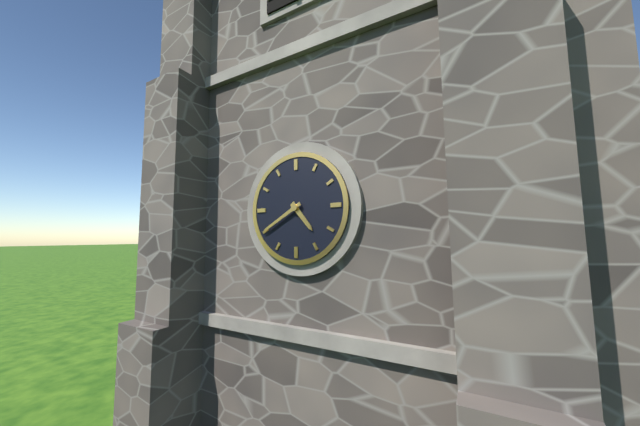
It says 4:40
